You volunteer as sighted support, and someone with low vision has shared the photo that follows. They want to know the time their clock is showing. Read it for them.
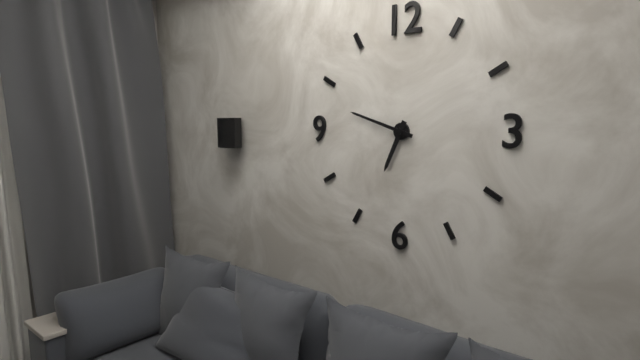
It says 6:48
